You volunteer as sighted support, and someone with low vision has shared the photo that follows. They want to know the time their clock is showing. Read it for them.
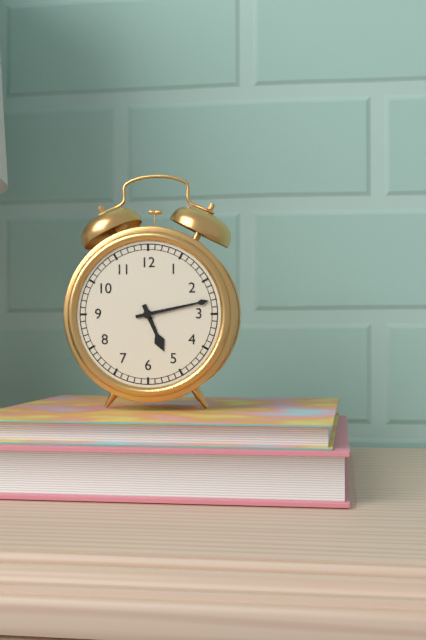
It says 5:13
